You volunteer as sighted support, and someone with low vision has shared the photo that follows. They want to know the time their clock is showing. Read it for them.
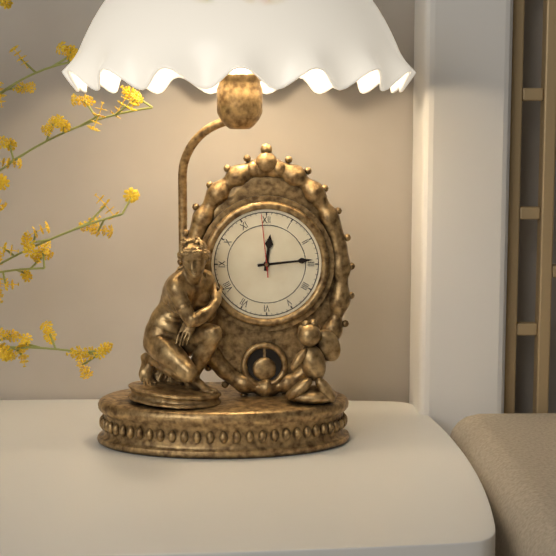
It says 12:14:59
